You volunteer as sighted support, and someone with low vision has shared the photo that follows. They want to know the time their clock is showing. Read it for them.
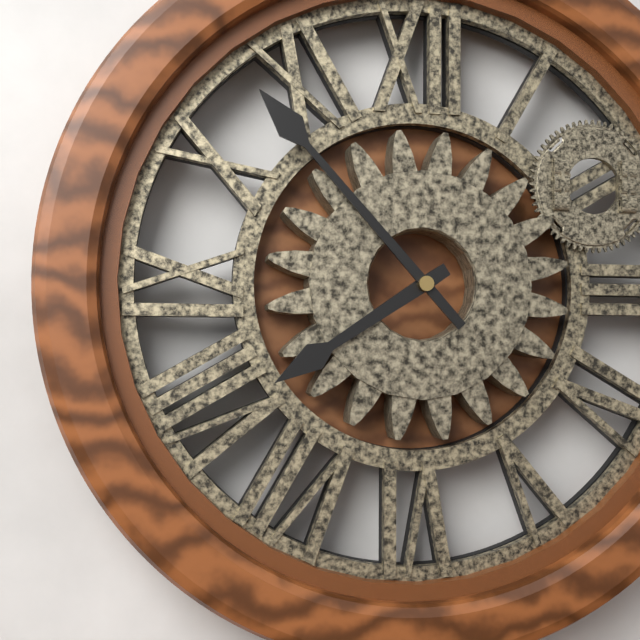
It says 7:53
